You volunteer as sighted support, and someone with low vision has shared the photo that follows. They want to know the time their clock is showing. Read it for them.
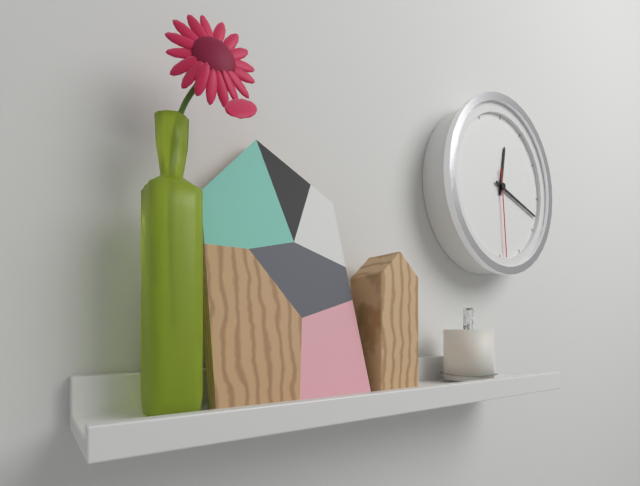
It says 12:18:29
